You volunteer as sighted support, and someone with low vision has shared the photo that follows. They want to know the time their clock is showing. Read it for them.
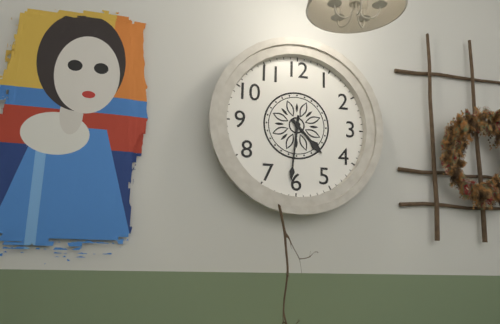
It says 4:31
